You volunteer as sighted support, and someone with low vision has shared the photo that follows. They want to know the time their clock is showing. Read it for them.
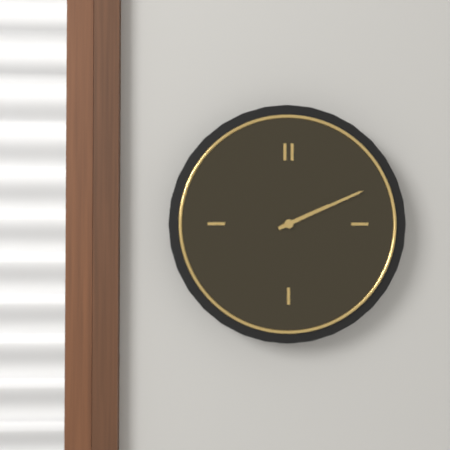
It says 2:11
